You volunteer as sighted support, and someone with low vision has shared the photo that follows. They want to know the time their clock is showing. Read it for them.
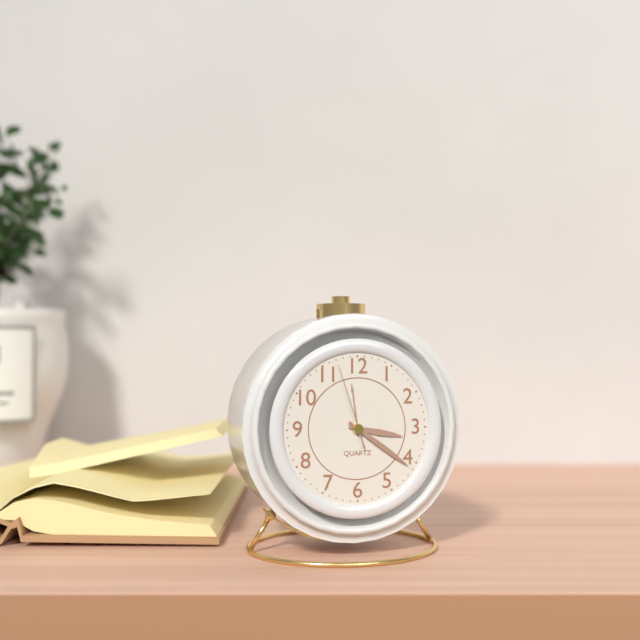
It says 3:21:57
